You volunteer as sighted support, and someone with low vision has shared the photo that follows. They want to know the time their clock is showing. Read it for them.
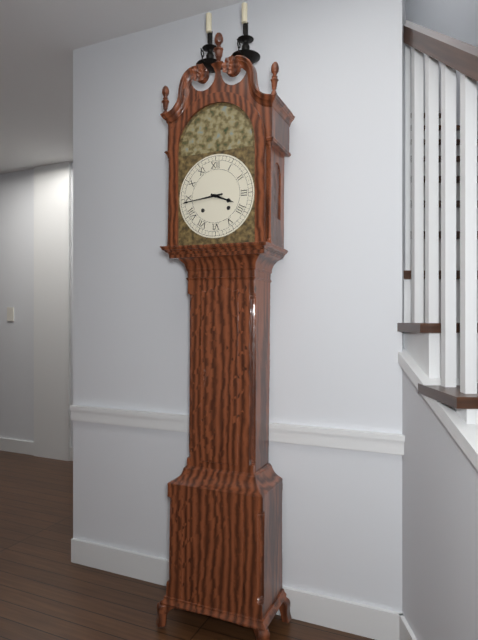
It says 3:44
